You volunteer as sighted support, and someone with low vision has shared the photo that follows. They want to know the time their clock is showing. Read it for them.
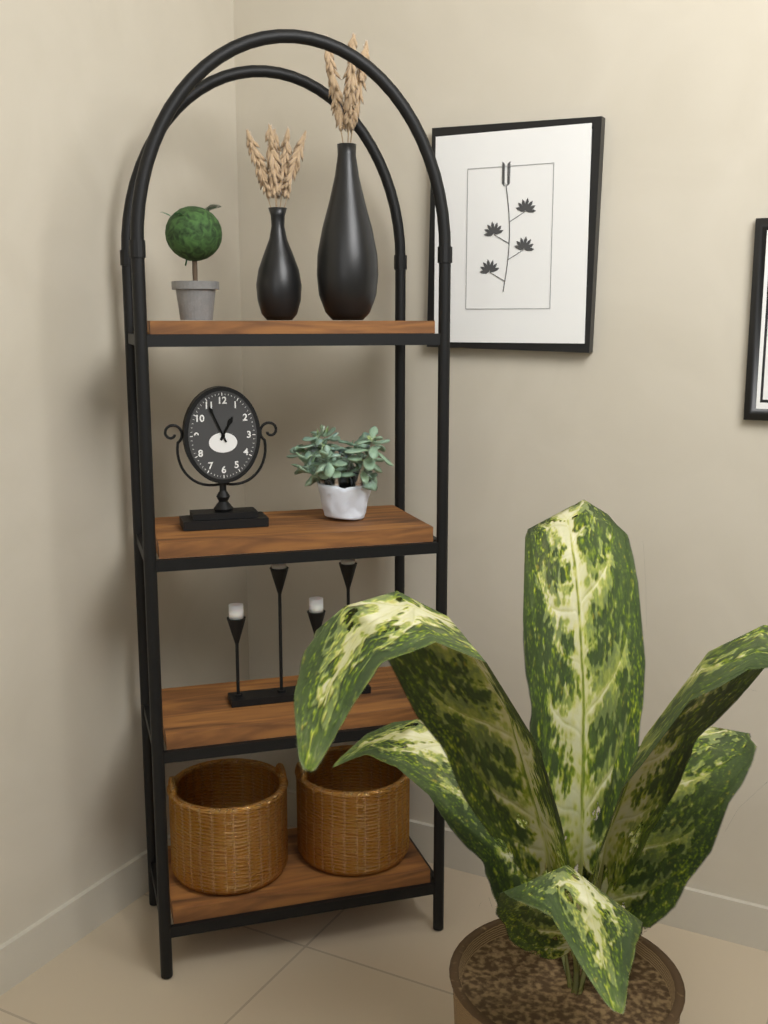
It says 12:56
